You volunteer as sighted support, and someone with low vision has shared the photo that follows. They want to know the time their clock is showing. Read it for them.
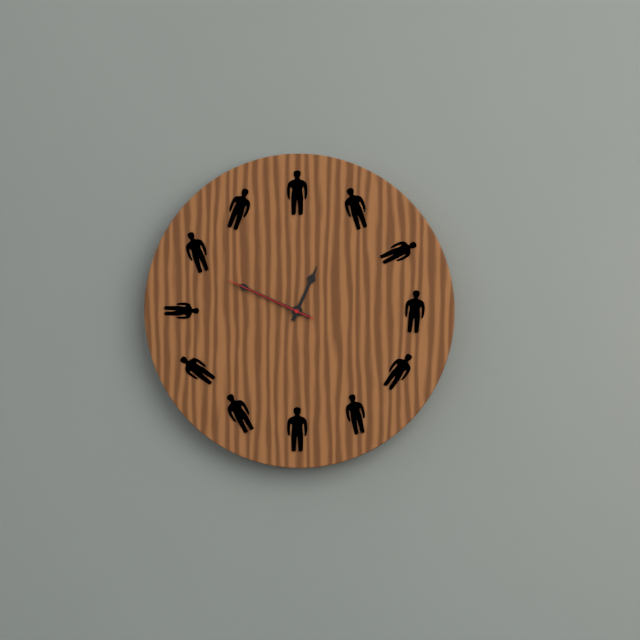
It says 12:49:49
